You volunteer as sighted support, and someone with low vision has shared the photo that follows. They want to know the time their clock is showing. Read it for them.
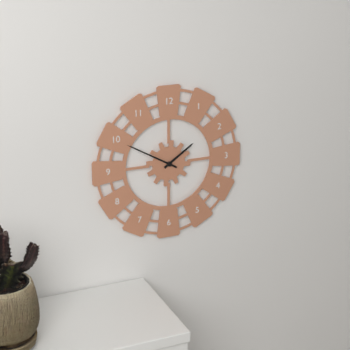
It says 1:50
